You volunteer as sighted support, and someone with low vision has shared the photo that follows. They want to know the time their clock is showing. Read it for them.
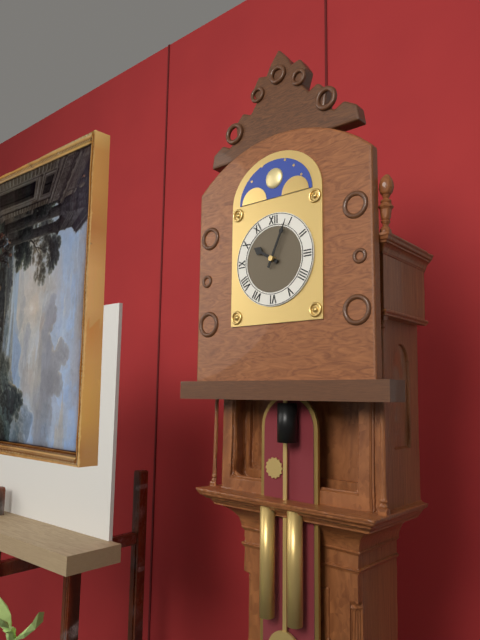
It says 10:04
